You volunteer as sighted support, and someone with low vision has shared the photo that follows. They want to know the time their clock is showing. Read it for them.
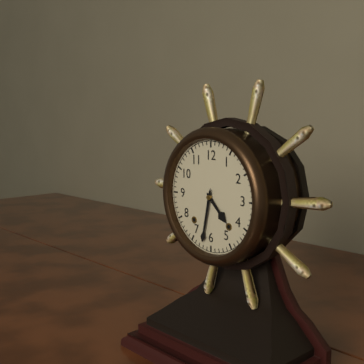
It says 4:32
